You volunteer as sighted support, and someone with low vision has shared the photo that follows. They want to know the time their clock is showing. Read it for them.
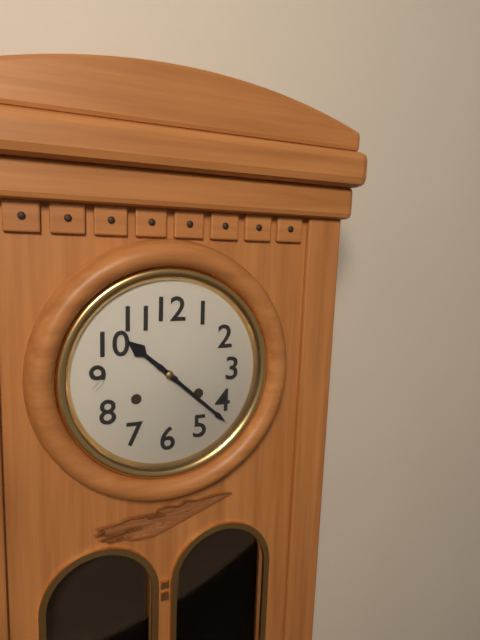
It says 10:22
